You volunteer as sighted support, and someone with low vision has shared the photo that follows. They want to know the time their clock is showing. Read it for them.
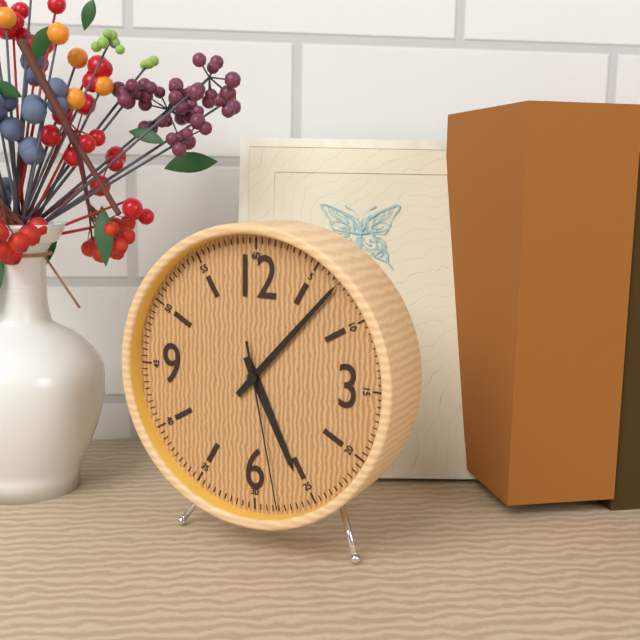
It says 5:07:28
